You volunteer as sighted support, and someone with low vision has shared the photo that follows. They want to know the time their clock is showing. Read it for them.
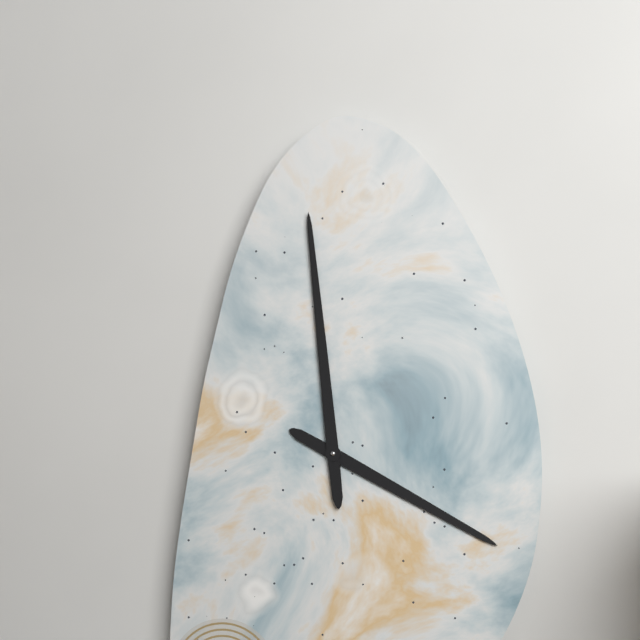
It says 3:59
